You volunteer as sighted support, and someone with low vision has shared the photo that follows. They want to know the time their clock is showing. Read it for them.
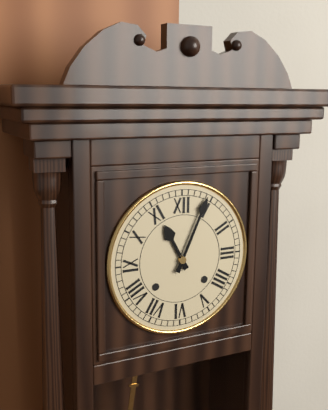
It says 11:04
